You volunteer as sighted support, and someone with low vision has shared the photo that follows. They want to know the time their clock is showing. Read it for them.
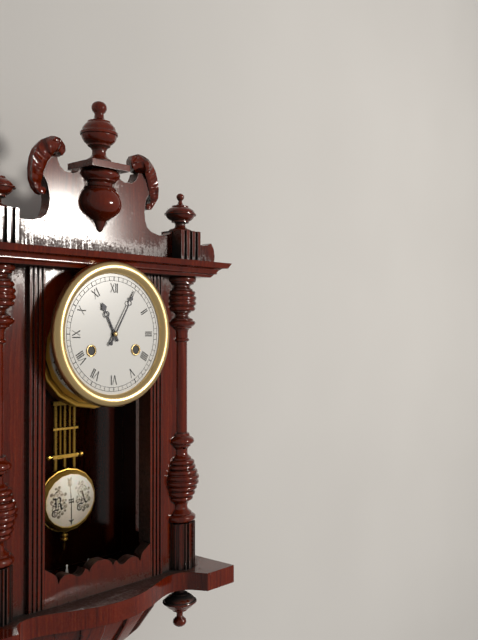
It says 11:05
